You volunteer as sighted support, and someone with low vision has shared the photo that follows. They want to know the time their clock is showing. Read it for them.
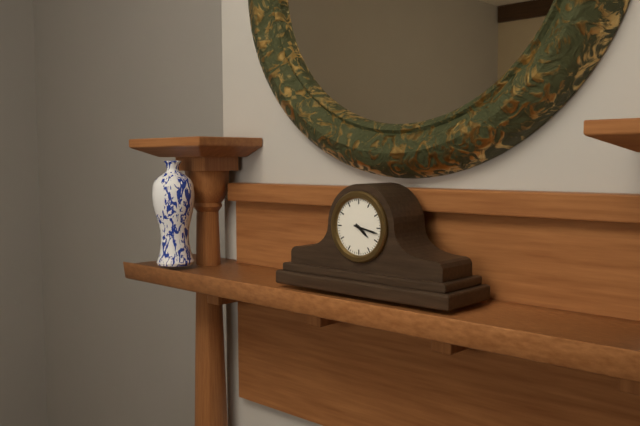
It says 4:17
